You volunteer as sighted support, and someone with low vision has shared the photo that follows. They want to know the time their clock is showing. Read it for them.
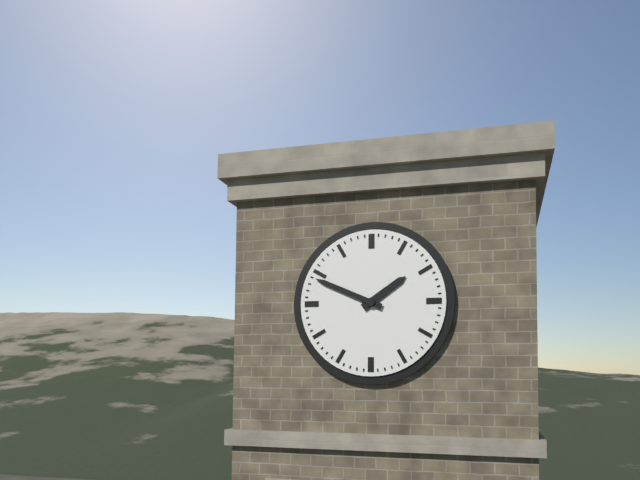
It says 1:49
